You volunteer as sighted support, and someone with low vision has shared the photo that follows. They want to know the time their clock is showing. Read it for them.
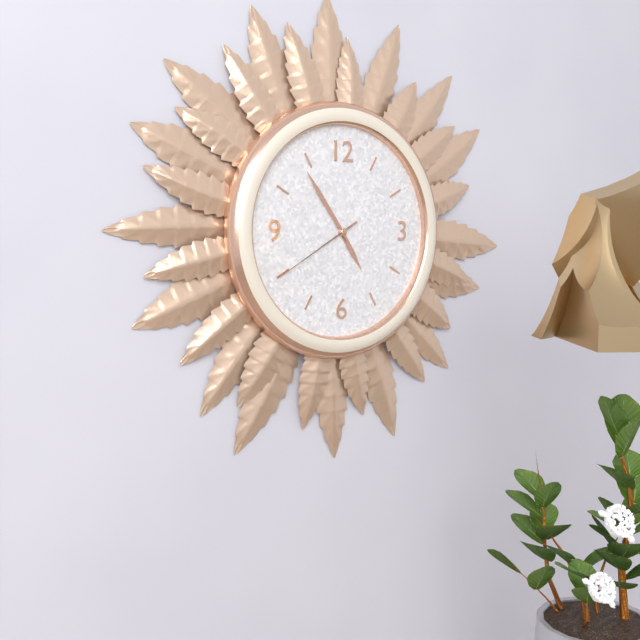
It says 4:54:40
